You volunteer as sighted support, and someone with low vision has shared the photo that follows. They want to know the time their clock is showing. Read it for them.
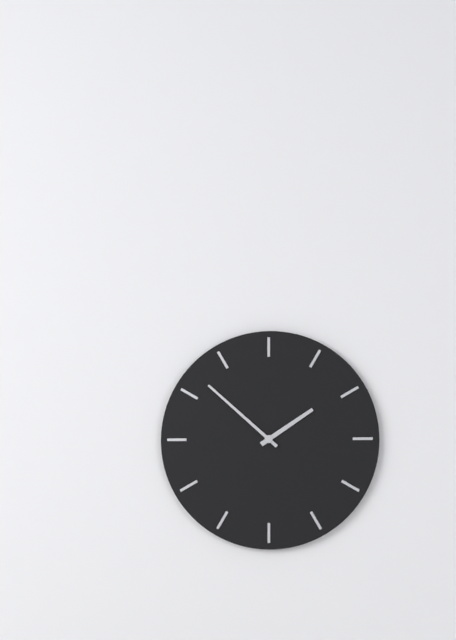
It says 1:52
